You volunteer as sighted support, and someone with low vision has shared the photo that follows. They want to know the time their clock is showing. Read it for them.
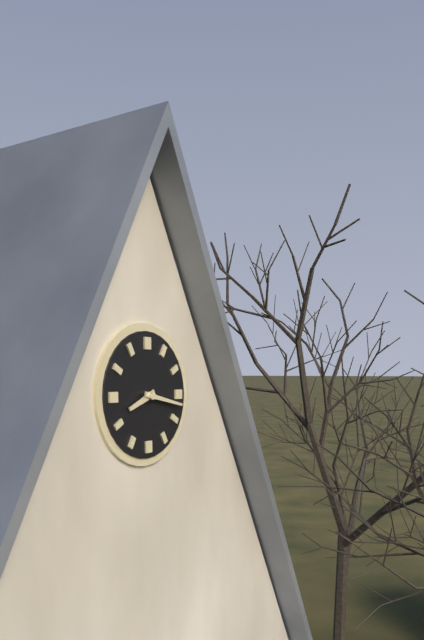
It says 8:17
